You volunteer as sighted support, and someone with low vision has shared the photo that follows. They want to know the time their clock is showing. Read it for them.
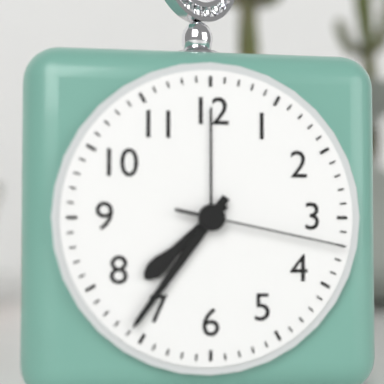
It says 7:36:17
